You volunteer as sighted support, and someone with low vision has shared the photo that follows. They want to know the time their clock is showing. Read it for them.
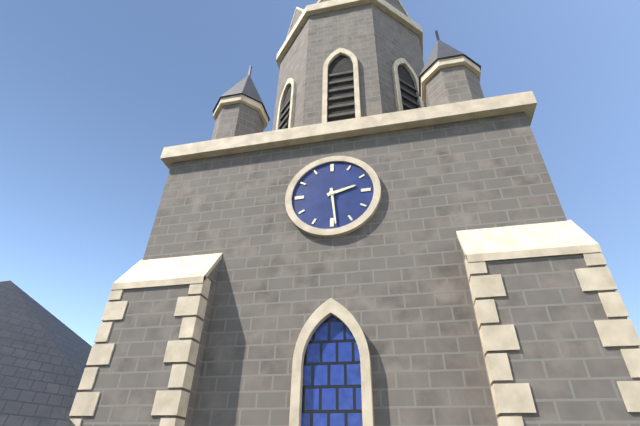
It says 2:29
